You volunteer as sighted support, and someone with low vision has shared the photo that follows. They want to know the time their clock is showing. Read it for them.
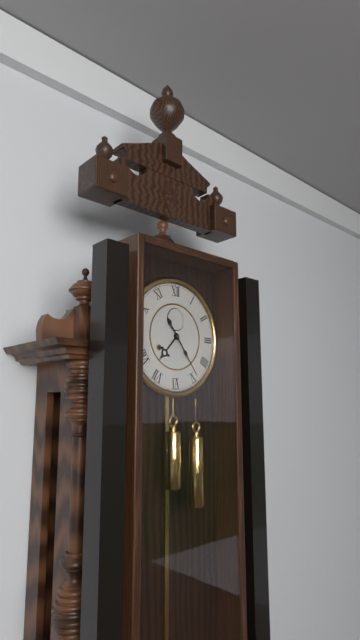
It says 7:24
